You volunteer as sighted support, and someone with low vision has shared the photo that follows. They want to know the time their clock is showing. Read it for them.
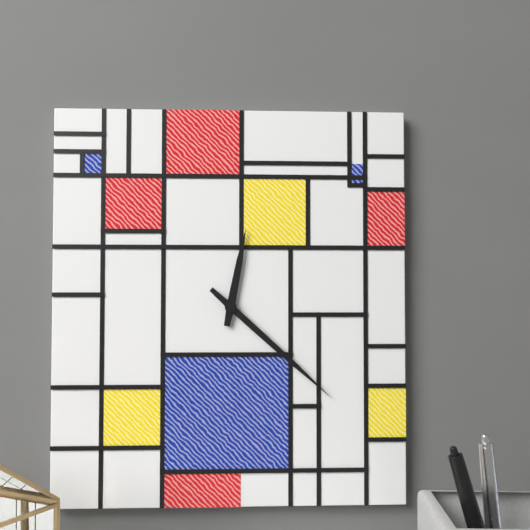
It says 12:22
